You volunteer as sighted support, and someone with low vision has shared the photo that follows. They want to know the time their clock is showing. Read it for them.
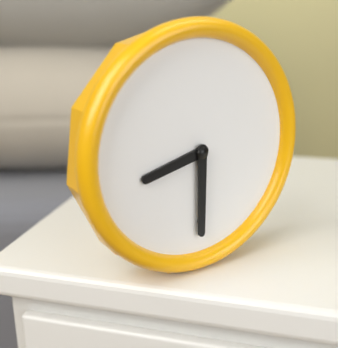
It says 8:30
